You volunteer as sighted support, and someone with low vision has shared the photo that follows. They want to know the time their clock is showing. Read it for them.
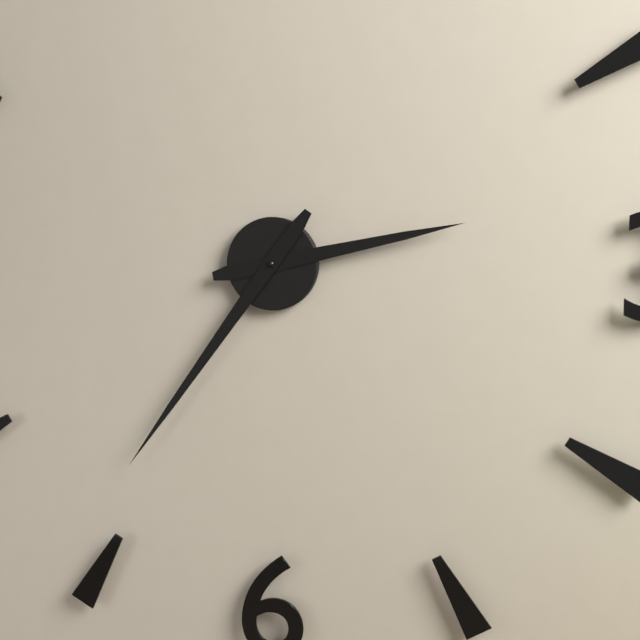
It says 2:36
